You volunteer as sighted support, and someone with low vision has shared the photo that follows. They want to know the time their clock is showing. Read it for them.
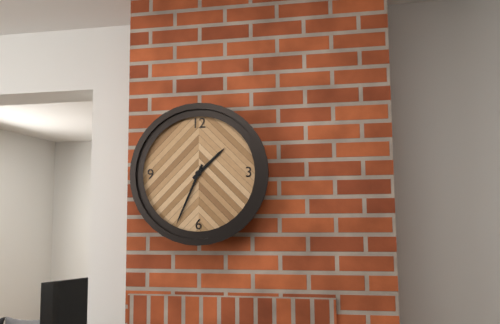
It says 1:34
